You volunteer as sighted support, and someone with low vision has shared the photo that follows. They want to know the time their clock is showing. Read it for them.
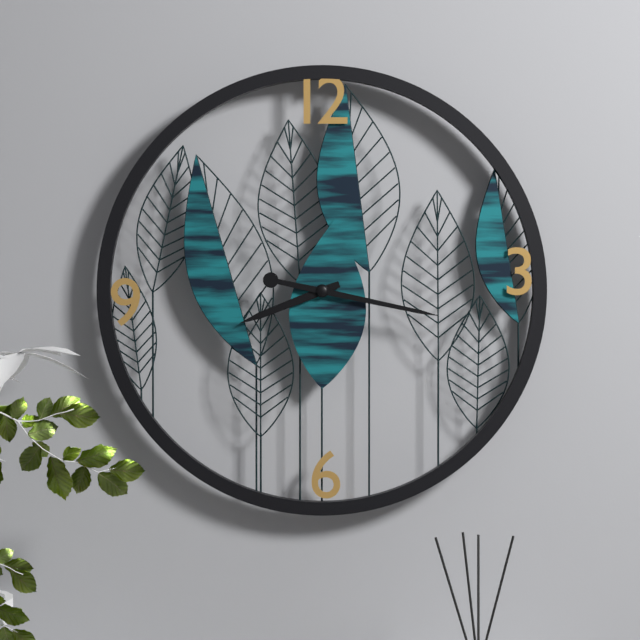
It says 8:17
